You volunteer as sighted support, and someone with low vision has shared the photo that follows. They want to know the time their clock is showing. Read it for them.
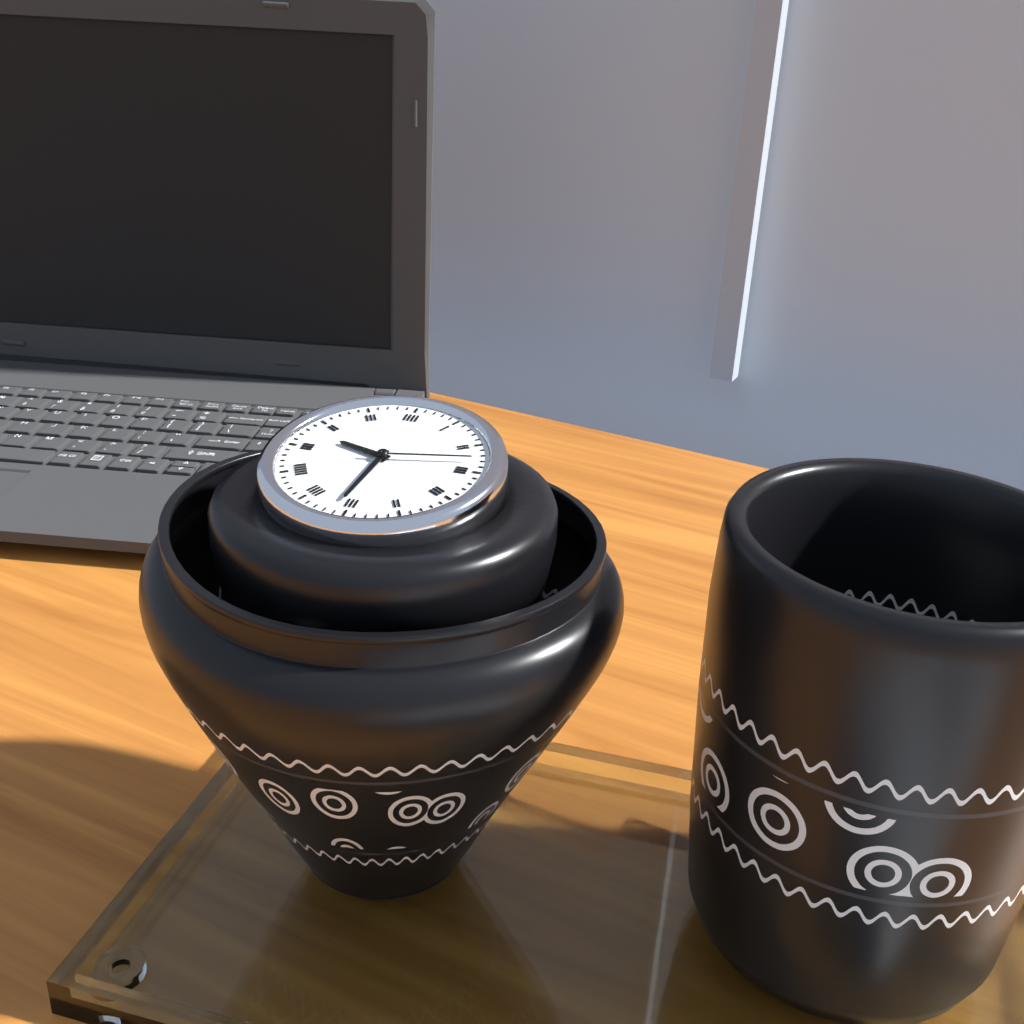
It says 9:31:13
